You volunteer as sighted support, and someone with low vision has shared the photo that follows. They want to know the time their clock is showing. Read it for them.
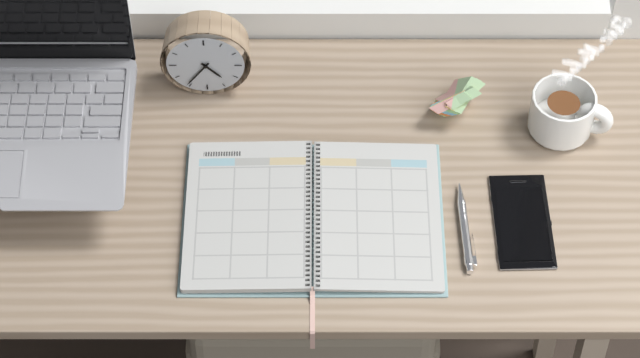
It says 4:36
